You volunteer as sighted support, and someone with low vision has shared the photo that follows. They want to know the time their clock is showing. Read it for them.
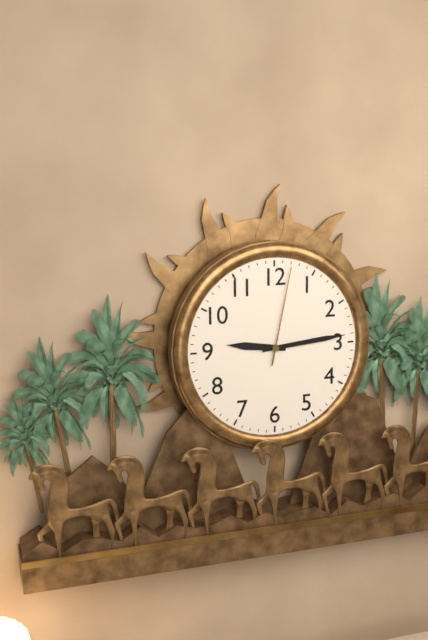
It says 9:14:02
